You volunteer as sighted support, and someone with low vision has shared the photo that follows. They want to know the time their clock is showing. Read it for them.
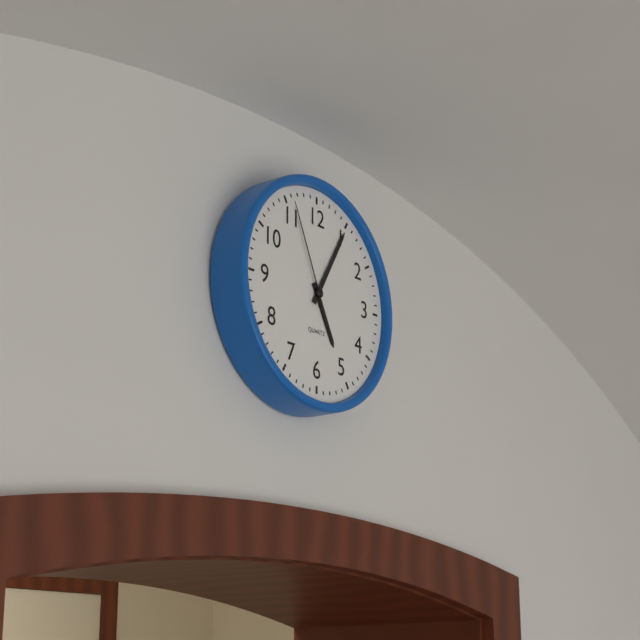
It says 5:05:56
